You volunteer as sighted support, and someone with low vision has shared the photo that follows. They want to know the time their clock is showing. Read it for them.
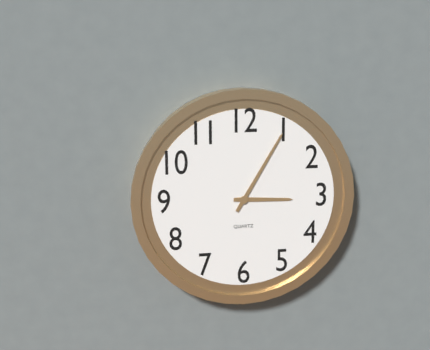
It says 3:05
